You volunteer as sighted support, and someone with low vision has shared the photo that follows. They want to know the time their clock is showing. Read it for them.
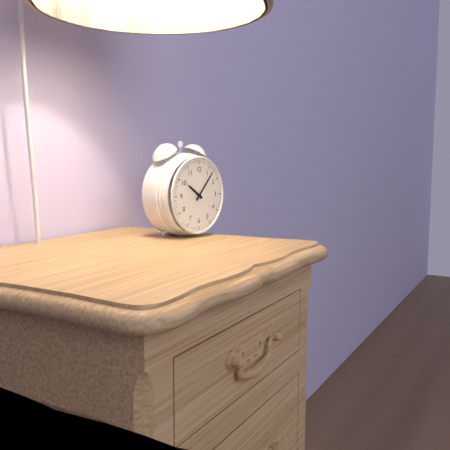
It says 10:07
